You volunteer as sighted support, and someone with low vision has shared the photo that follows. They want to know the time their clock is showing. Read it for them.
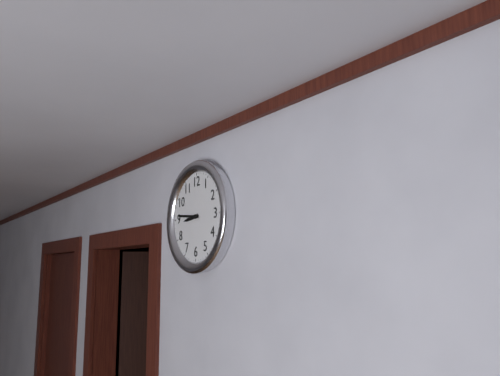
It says 8:46
